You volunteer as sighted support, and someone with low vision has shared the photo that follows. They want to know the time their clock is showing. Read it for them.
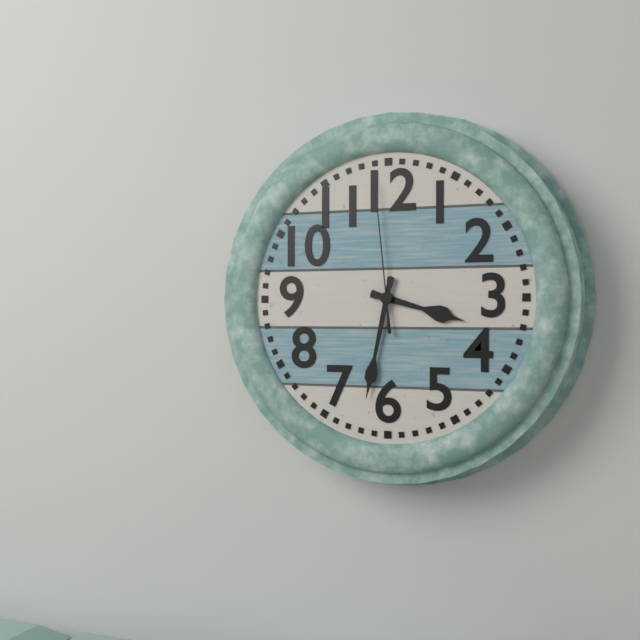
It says 3:32:59
